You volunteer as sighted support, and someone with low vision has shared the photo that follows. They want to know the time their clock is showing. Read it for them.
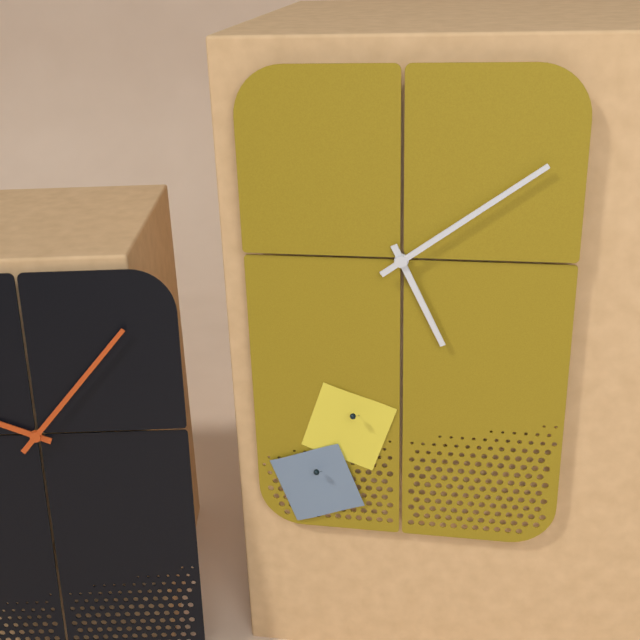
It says 5:09
